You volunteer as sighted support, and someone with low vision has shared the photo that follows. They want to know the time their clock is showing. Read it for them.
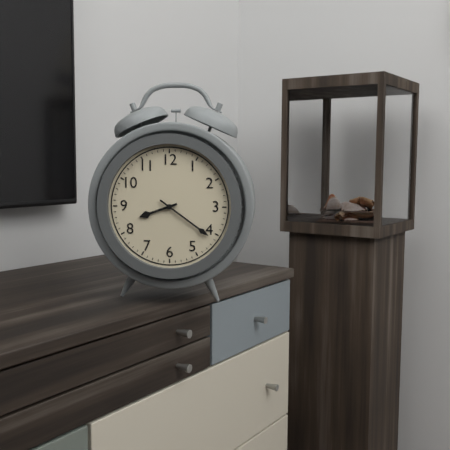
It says 8:21
